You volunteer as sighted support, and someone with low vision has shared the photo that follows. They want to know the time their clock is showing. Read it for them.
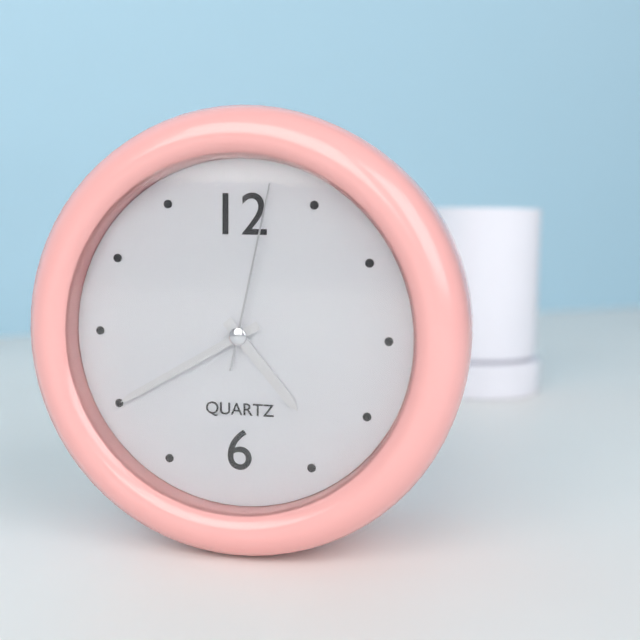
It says 4:40:02
